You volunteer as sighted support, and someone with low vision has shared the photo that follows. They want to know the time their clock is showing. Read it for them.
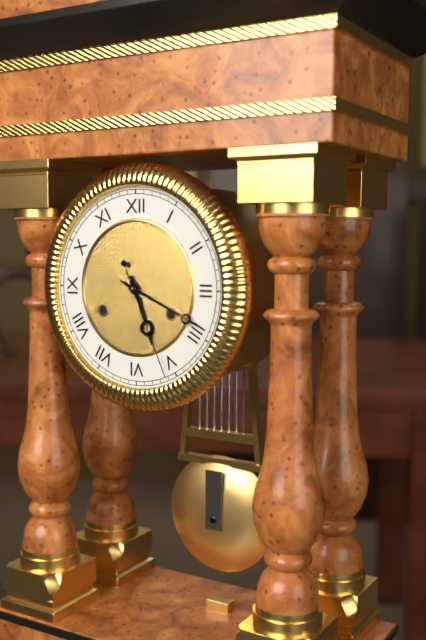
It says 5:19:26
